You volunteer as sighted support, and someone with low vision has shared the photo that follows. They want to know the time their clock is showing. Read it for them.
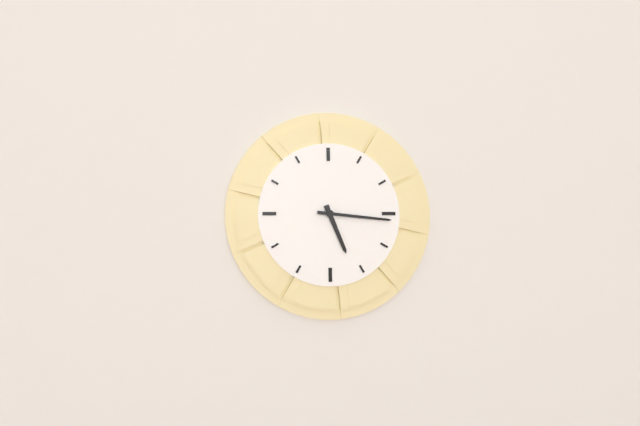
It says 5:16
